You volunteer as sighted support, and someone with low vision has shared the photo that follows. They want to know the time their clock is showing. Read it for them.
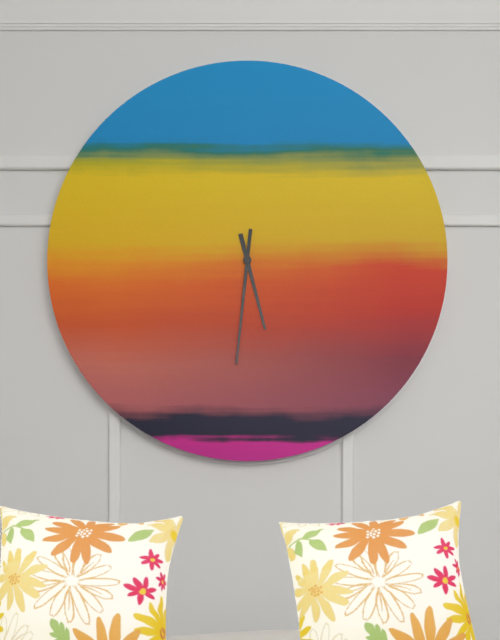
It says 5:31
